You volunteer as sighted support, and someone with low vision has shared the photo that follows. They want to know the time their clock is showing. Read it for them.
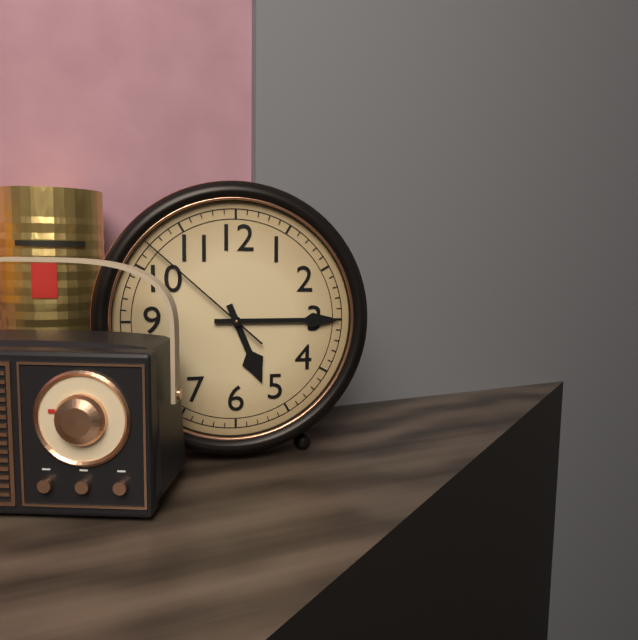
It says 5:15:52
